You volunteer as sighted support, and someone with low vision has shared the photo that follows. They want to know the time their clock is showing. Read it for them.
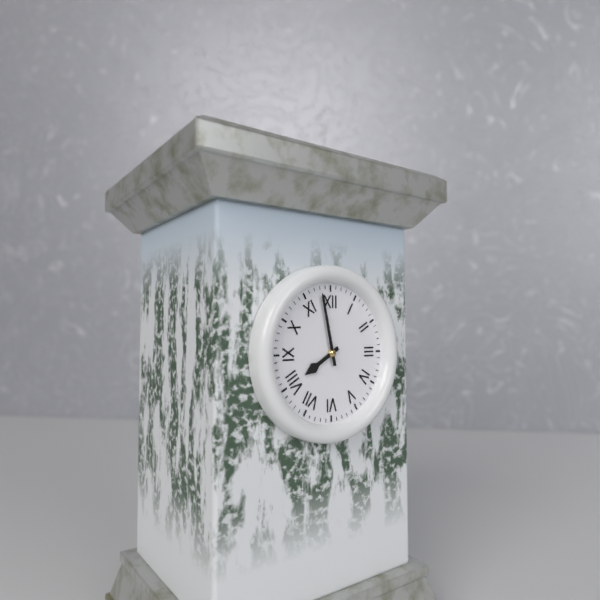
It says 7:58
